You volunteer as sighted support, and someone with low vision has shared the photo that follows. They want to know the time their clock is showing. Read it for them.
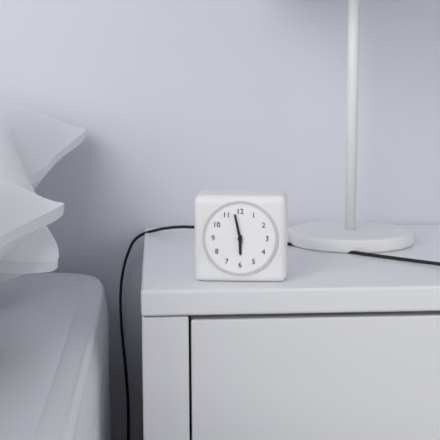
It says 5:58
